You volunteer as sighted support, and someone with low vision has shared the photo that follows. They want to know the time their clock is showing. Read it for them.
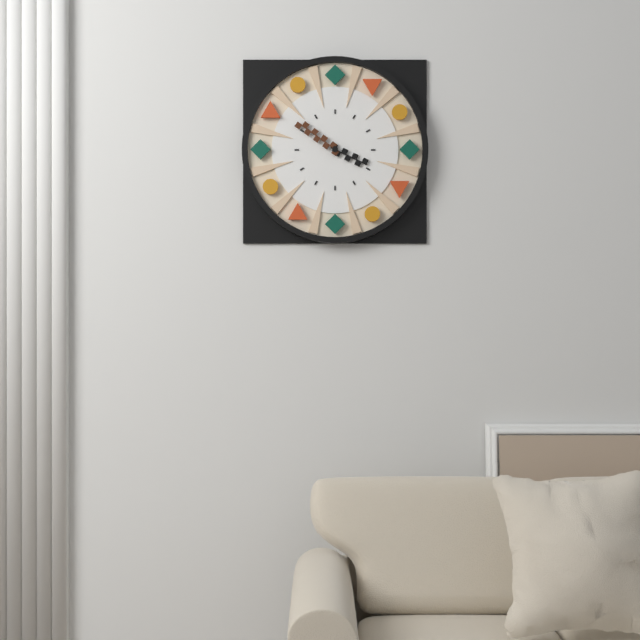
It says 3:51
